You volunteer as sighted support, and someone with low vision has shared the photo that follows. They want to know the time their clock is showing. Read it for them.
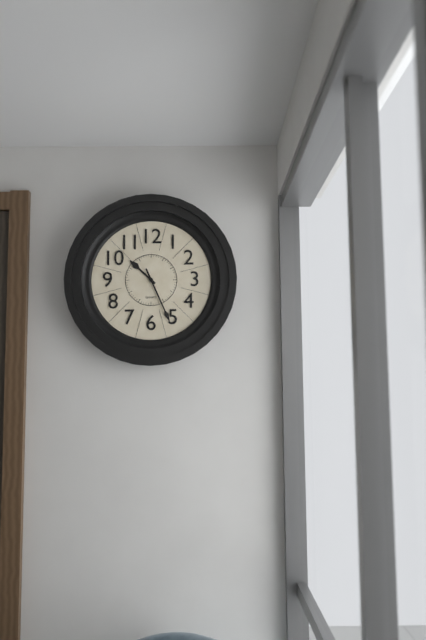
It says 10:26
